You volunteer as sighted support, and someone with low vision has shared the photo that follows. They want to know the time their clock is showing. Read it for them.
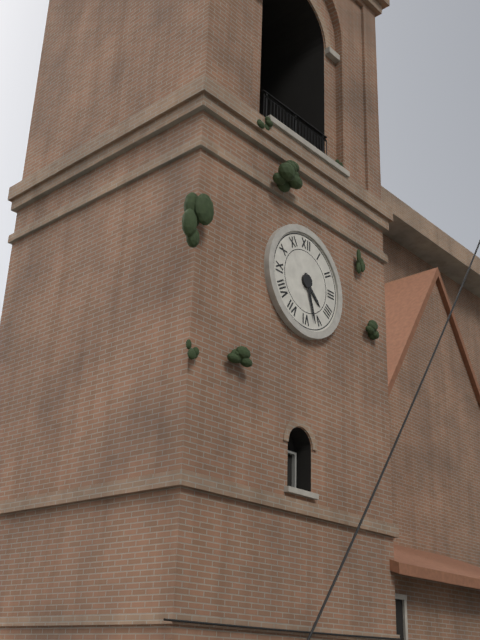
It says 4:27
